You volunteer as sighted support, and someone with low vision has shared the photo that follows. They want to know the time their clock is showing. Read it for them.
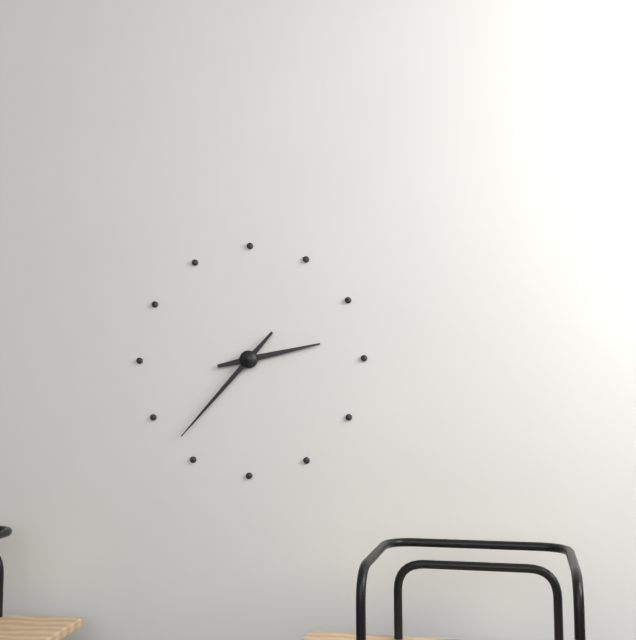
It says 2:37
